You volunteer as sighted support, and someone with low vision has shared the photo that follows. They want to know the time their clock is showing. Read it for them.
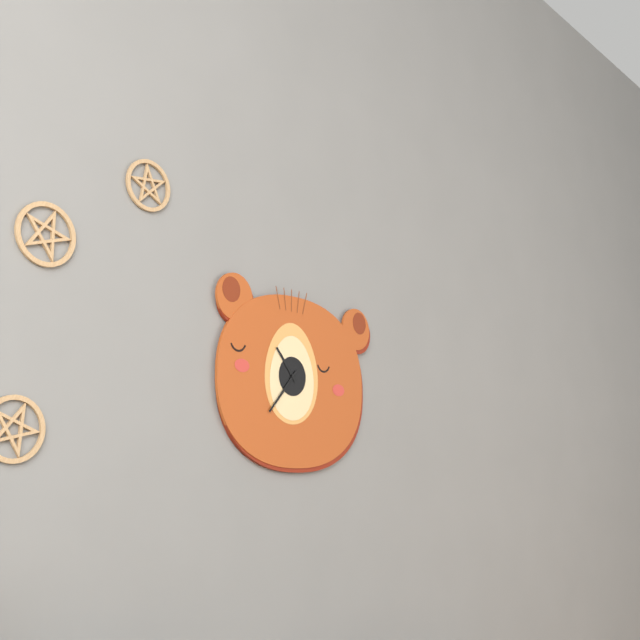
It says 10:37
